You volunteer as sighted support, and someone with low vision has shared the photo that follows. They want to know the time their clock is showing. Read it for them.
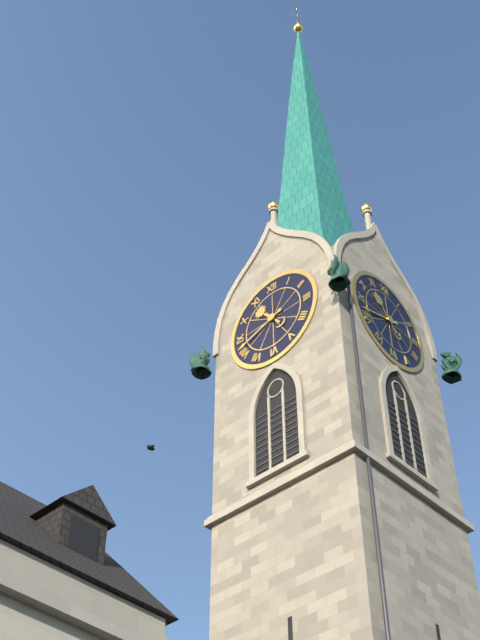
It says 10:42
